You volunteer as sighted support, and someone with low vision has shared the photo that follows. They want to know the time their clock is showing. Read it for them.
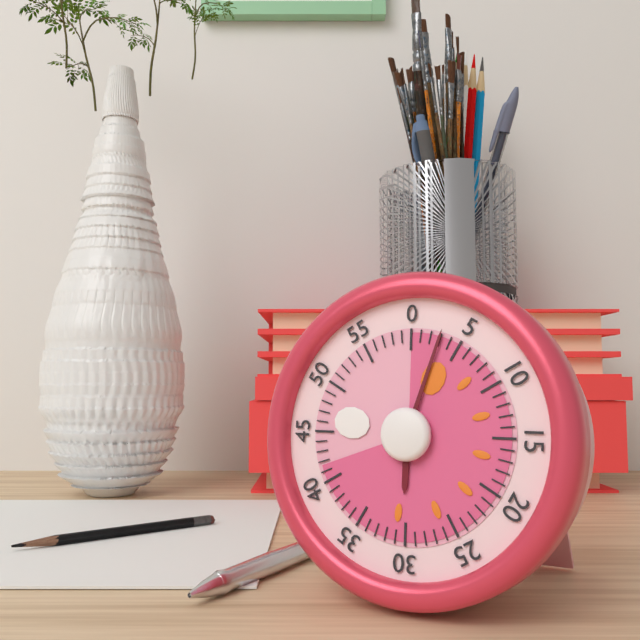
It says 6:03
